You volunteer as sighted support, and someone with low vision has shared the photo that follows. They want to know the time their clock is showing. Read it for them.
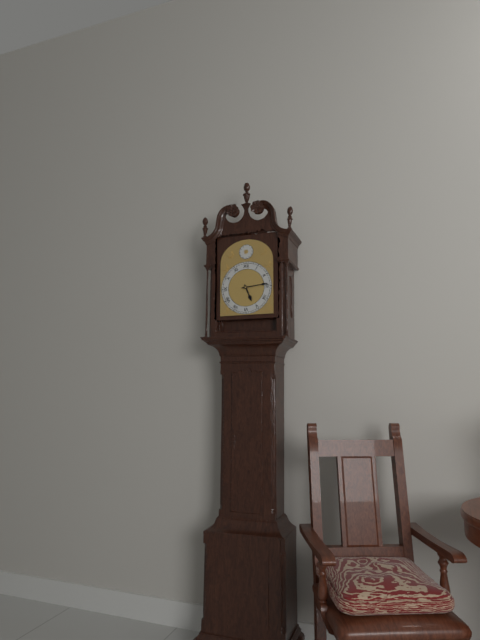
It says 5:14
